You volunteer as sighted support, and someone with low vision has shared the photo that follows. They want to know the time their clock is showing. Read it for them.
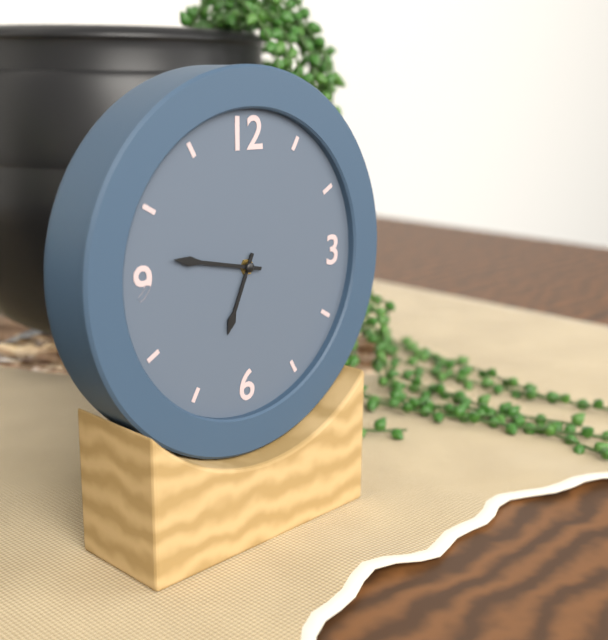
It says 6:47
